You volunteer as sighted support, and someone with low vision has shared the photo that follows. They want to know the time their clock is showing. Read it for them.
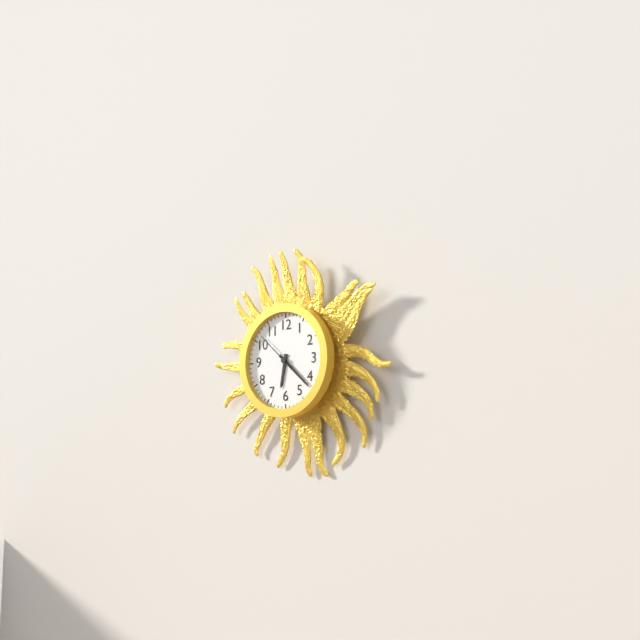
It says 6:22
